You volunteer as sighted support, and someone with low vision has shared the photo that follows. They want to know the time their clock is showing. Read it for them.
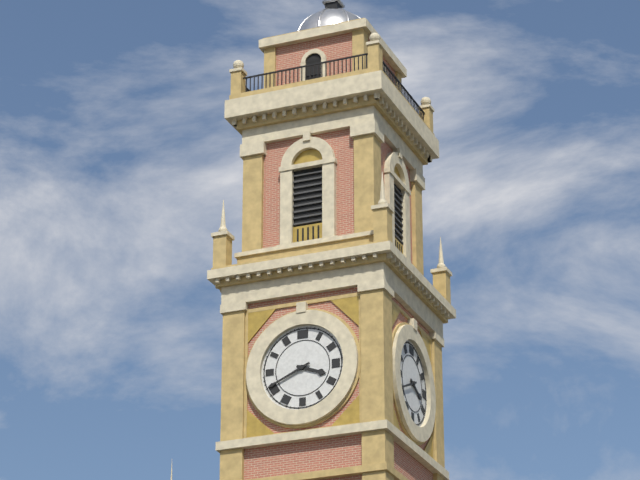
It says 3:41
